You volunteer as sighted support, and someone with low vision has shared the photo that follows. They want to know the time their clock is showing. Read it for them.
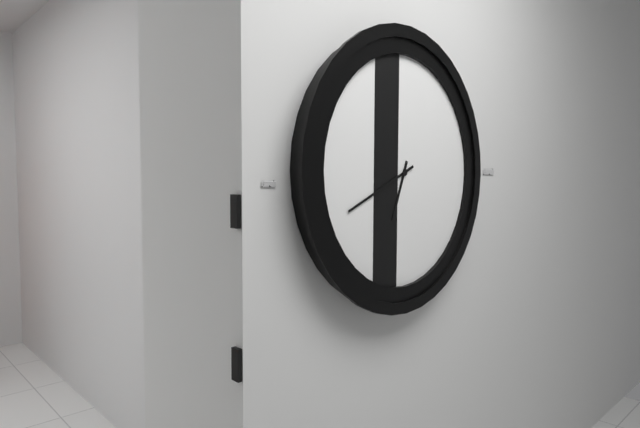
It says 6:41
